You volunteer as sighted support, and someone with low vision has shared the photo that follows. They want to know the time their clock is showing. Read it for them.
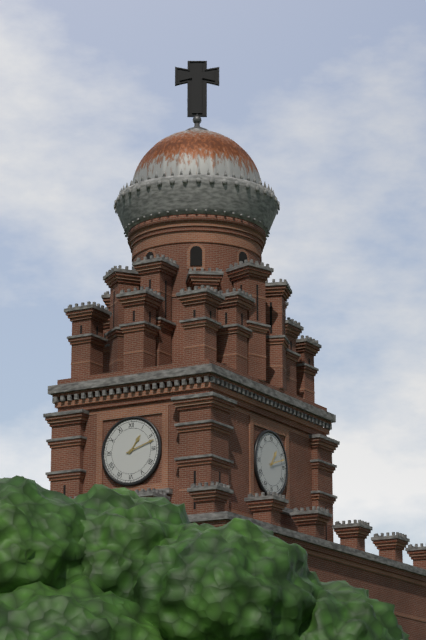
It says 1:12
